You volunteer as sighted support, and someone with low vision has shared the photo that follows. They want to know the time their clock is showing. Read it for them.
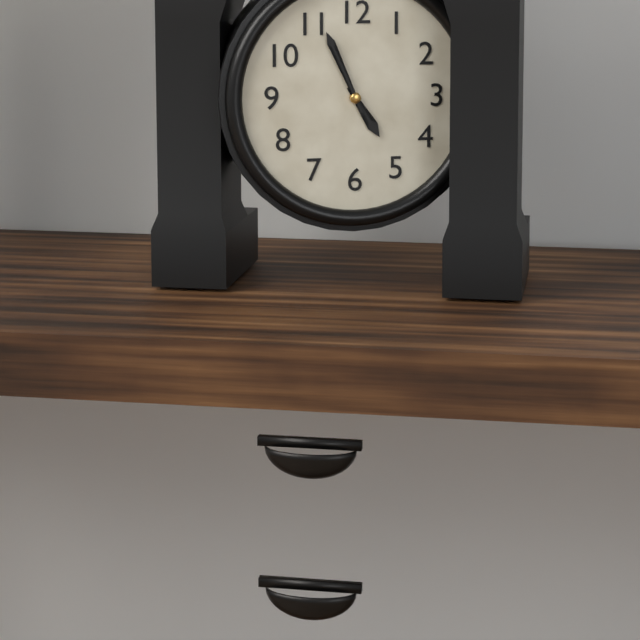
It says 4:56
